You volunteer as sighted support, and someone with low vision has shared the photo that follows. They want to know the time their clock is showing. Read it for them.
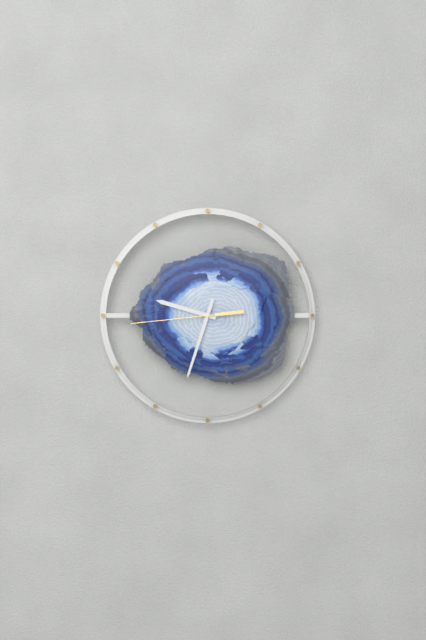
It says 9:33:44
